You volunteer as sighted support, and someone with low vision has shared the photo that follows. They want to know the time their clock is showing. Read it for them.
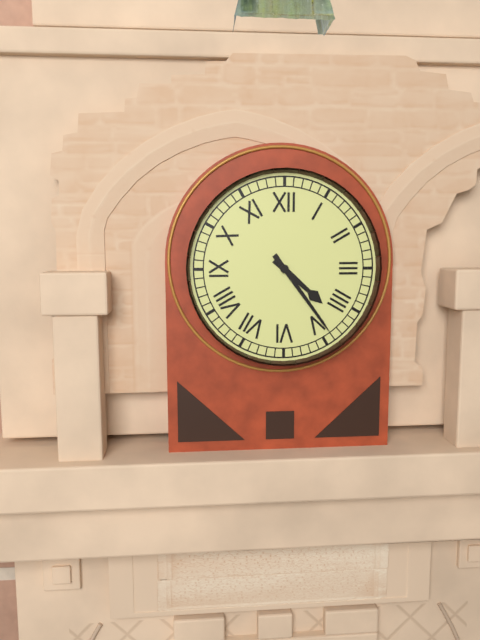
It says 4:24
